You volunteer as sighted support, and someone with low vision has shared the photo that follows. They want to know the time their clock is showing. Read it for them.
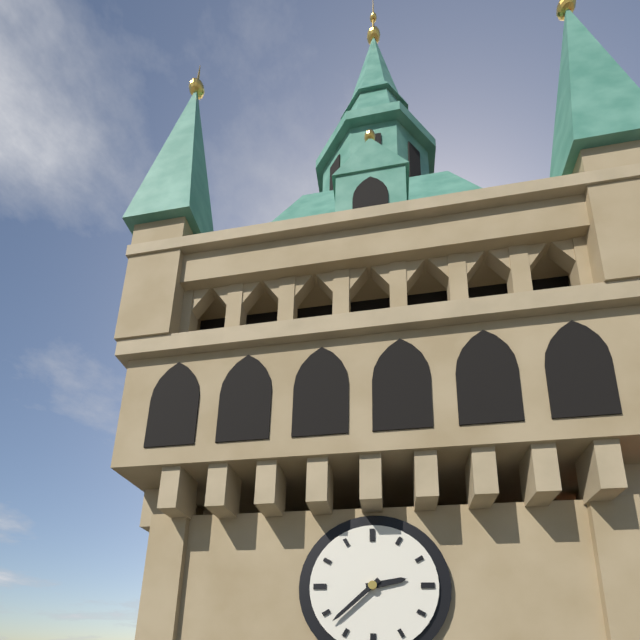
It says 2:38
